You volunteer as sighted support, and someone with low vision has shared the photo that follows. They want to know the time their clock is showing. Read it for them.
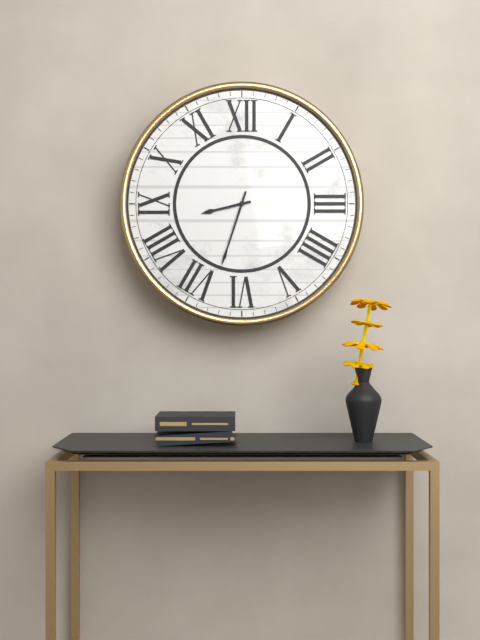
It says 8:33
